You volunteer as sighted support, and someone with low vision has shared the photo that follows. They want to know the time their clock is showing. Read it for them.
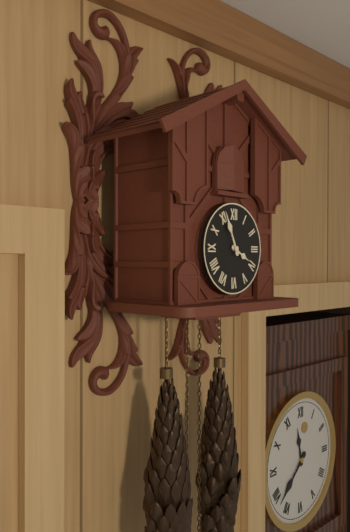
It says 3:56
